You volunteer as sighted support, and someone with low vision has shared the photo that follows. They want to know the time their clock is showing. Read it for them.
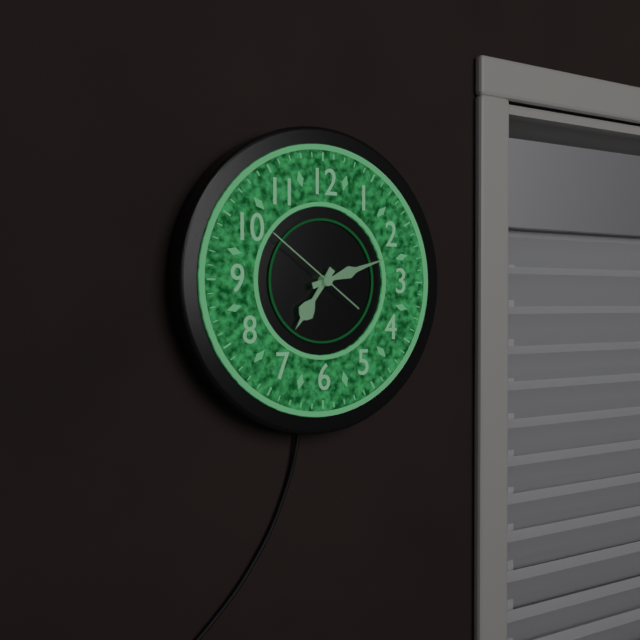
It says 7:12:51
